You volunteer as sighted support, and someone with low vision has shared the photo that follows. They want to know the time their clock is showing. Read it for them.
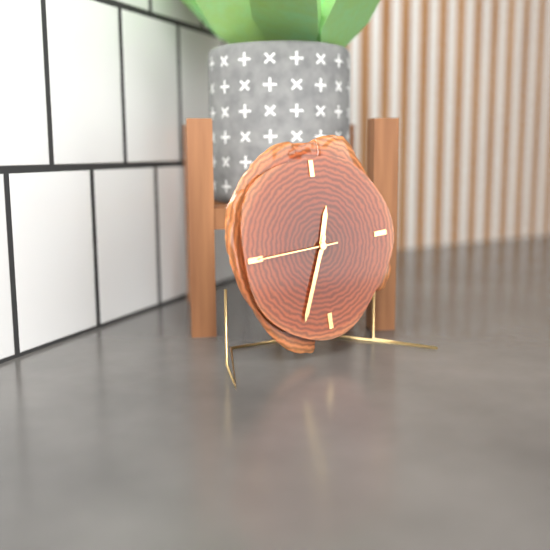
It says 12:34:45
